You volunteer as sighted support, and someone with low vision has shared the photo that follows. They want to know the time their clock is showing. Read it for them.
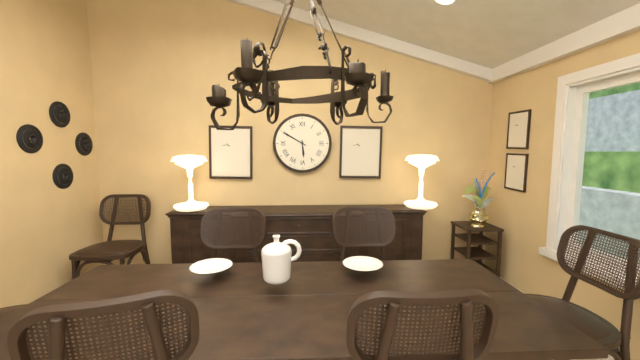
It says 5:50
